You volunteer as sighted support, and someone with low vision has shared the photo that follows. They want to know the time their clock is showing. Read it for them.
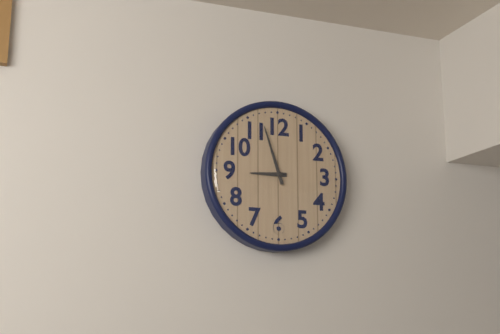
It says 8:57
